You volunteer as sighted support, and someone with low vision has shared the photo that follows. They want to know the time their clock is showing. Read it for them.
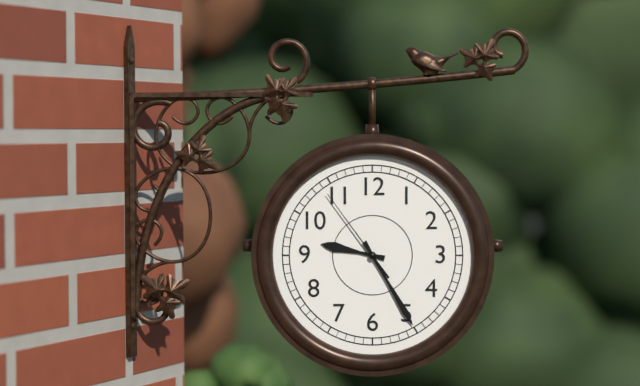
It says 9:25:54
